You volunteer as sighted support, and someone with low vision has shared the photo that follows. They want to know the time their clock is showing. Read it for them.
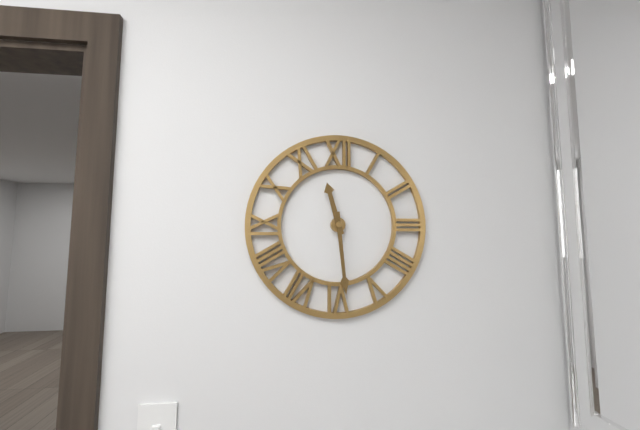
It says 11:29
